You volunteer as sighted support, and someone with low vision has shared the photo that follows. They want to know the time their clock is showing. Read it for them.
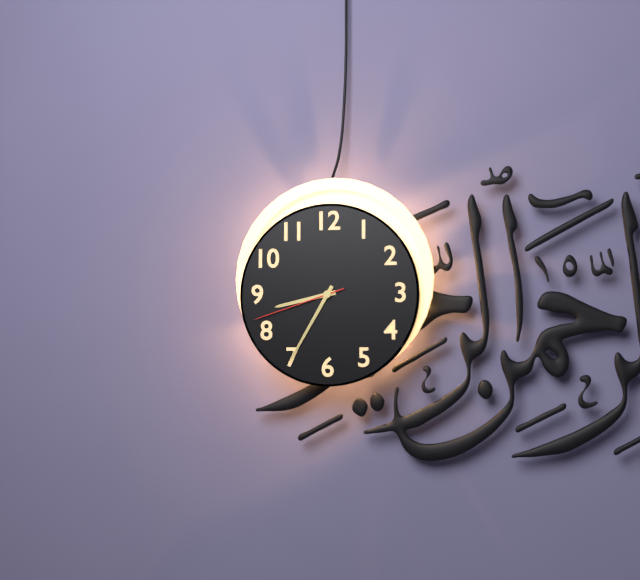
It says 8:35:42
